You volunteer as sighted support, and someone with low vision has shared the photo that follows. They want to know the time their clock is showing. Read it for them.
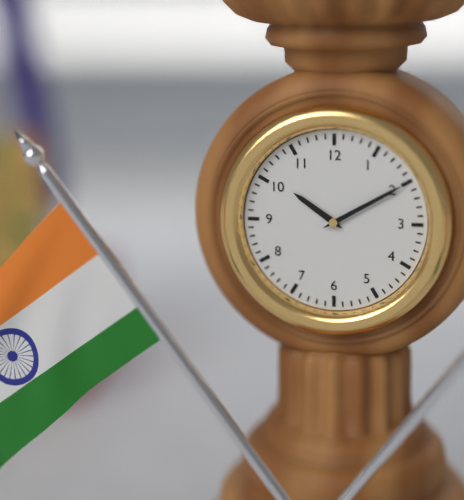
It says 10:10
